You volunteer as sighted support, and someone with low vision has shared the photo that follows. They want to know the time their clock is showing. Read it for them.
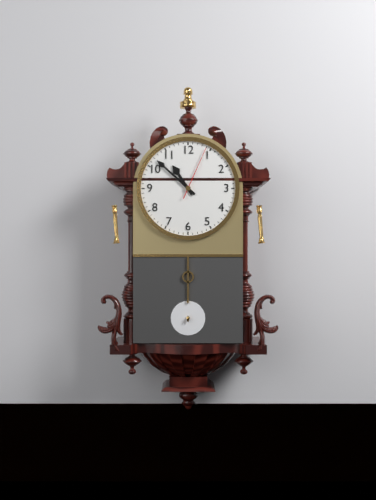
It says 10:52:04
